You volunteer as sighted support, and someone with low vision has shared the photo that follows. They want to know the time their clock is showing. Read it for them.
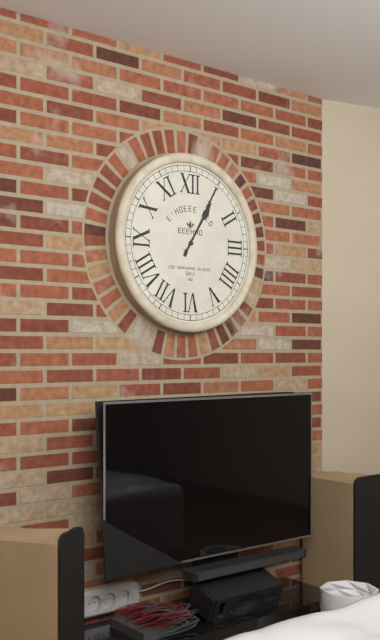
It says 1:05
